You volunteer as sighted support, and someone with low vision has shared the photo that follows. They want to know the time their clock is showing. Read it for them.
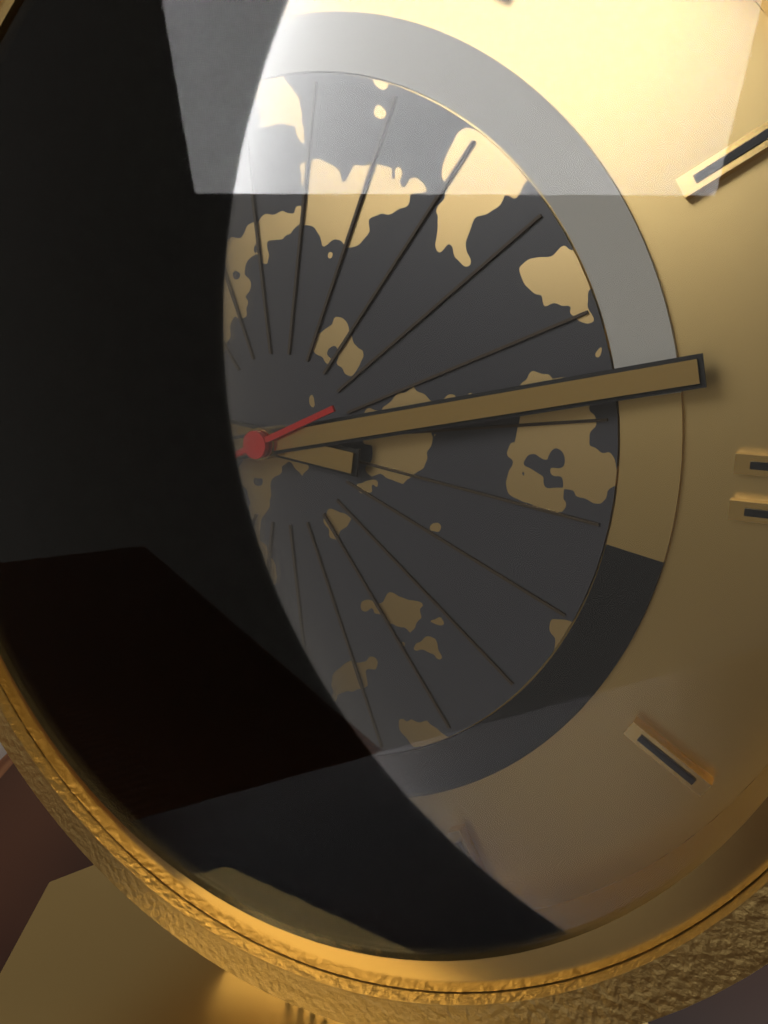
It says 9:13:41
